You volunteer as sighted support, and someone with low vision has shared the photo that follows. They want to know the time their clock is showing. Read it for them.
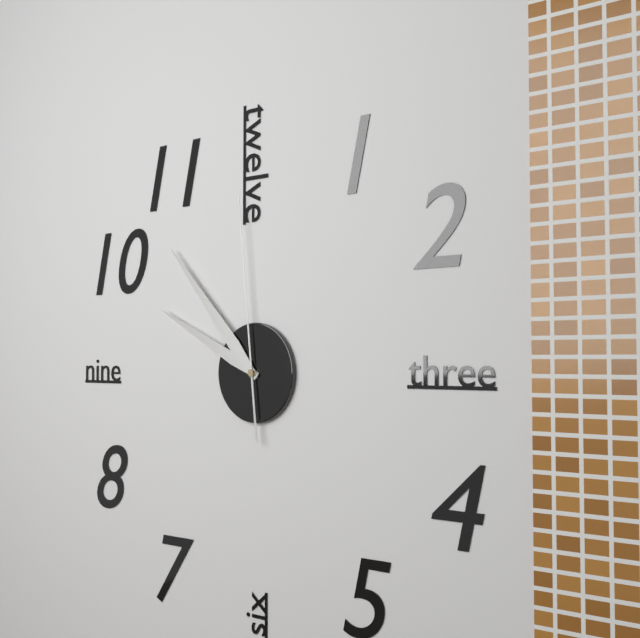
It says 9:53:59
